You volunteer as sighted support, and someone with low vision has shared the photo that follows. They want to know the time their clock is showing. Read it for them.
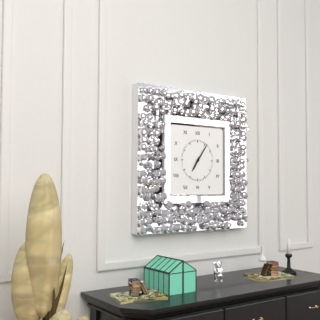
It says 7:06
